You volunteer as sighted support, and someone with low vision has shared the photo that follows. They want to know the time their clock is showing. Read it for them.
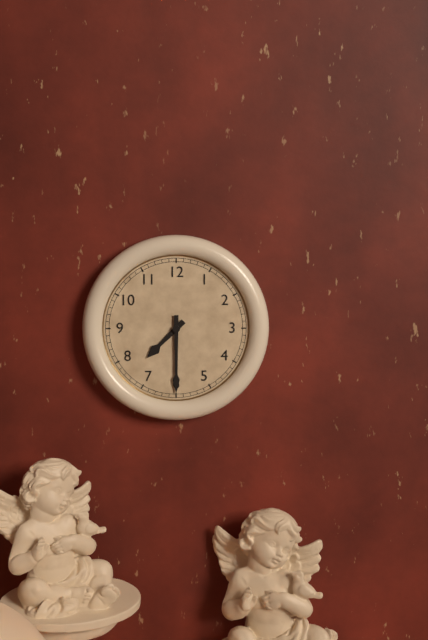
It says 7:30
